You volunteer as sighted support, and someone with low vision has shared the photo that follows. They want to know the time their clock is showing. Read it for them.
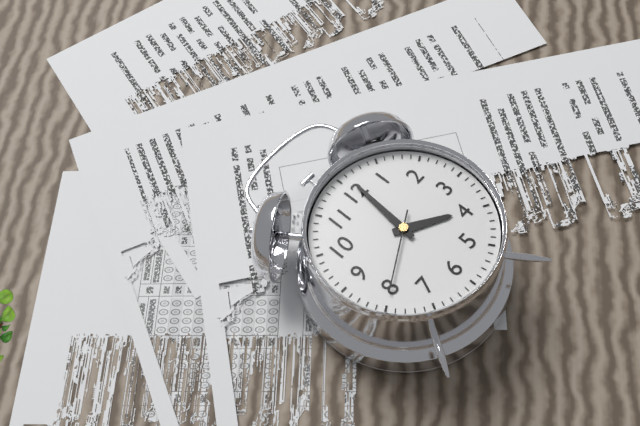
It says 4:01:40
